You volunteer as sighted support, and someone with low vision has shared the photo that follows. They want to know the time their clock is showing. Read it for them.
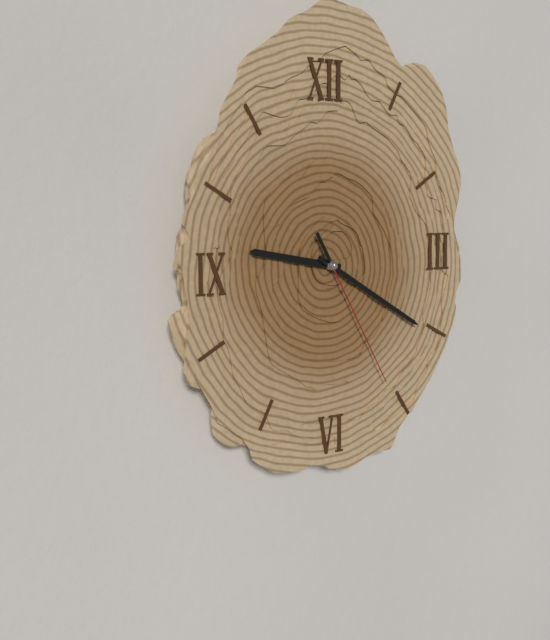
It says 9:20:25
